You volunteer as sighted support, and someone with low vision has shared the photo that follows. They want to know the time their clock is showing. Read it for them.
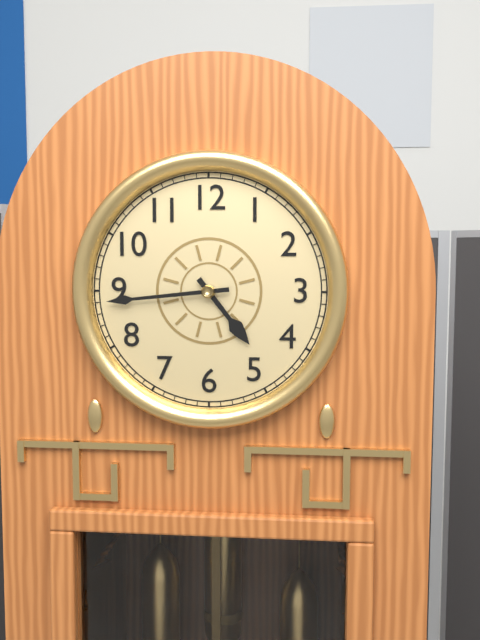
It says 4:44
